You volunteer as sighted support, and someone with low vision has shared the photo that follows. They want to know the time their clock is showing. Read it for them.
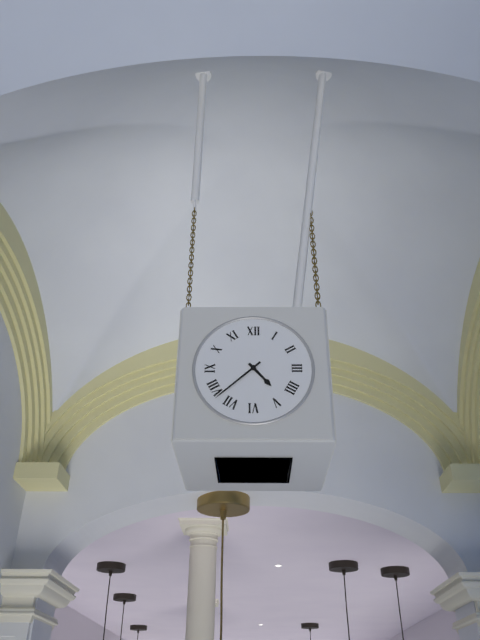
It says 4:38
